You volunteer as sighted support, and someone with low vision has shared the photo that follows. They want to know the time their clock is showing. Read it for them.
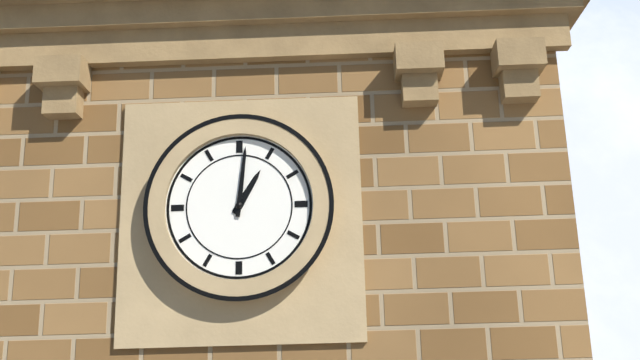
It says 1:01
